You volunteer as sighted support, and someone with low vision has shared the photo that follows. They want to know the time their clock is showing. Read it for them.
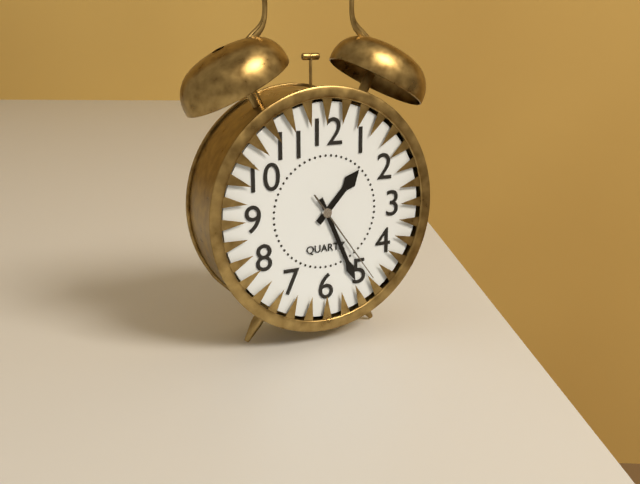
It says 1:26:24
